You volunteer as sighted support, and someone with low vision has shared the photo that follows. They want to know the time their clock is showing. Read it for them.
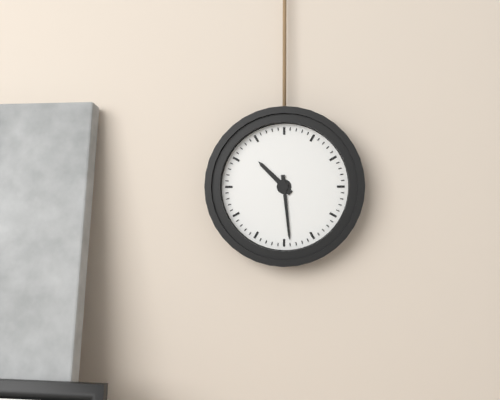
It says 10:29
